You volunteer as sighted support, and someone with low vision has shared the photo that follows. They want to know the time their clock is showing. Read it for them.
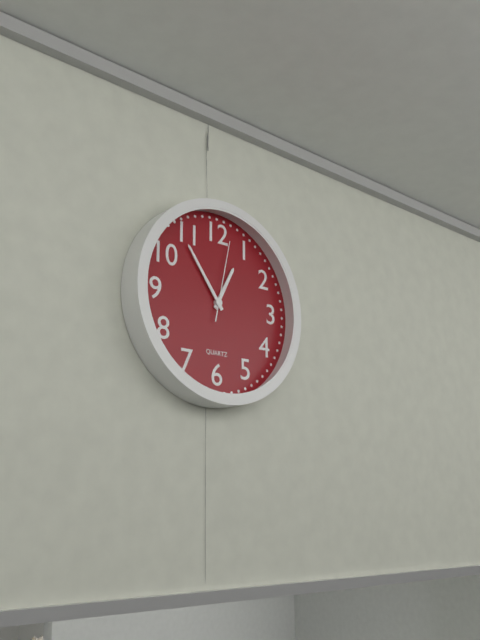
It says 12:54:02
